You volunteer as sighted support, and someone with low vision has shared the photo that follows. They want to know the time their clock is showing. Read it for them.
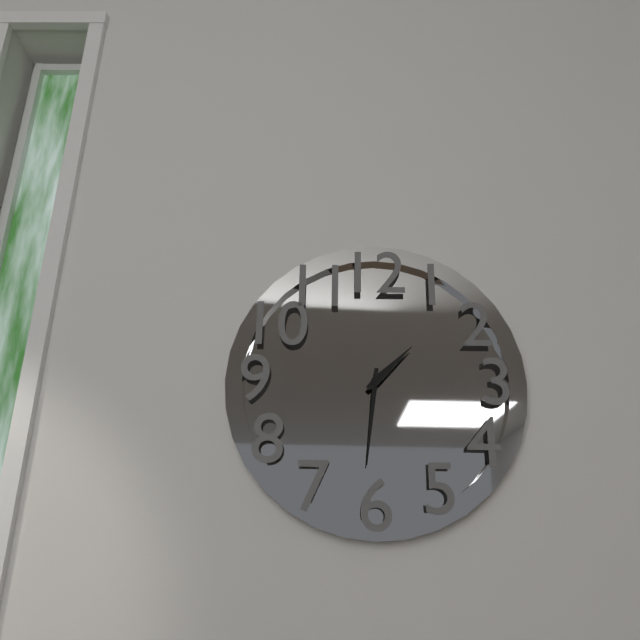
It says 1:31
